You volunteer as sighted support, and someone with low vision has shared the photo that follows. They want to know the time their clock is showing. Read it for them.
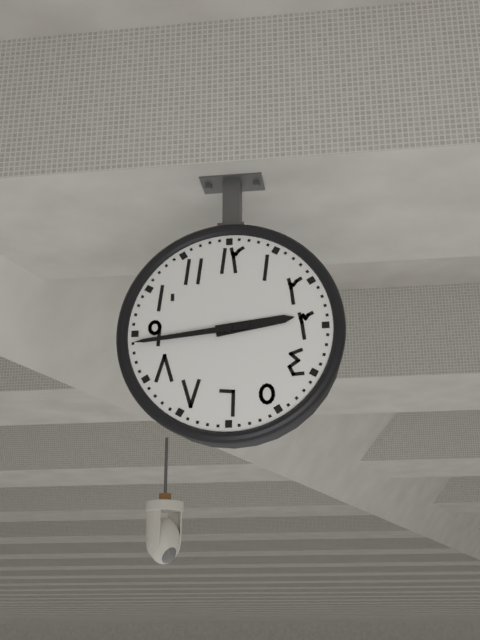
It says 2:44
